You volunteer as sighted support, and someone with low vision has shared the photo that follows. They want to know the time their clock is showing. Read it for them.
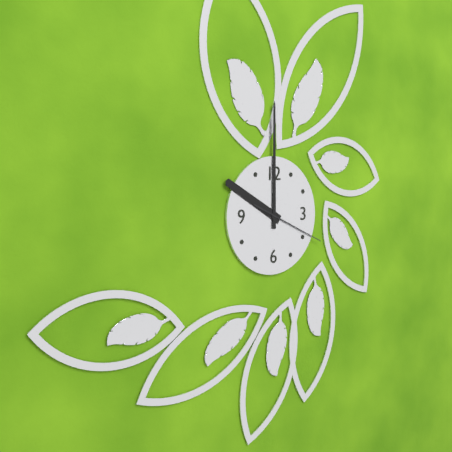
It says 10:00:19
